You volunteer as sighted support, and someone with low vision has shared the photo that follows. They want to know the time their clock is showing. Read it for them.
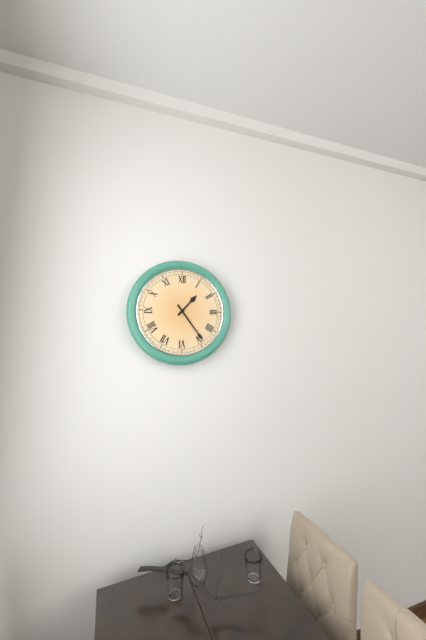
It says 1:24
